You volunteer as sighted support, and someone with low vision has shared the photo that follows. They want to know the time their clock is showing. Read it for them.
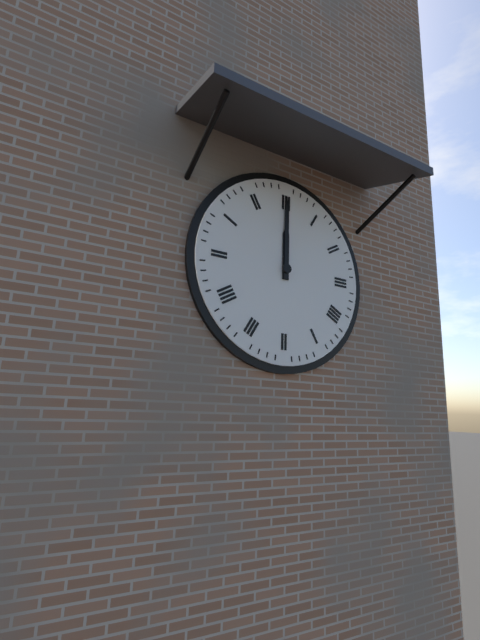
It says 12:00
